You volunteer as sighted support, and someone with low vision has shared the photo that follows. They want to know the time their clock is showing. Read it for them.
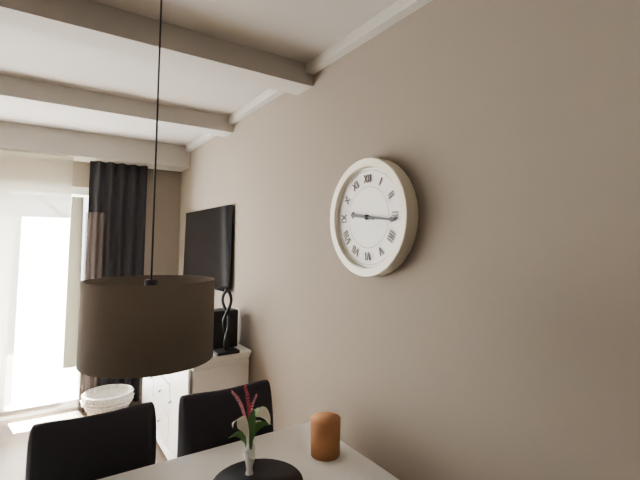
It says 9:16
